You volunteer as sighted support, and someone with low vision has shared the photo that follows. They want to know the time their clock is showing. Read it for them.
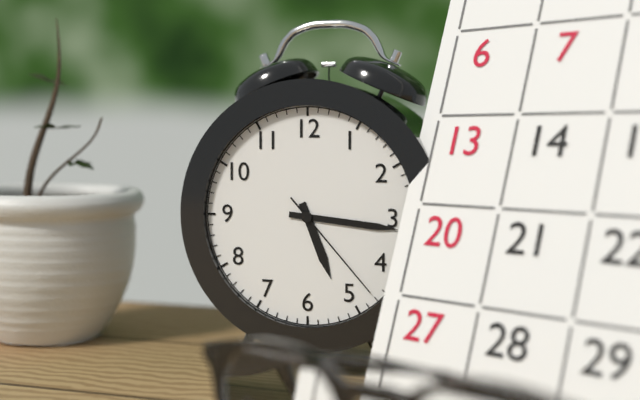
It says 5:16:23
